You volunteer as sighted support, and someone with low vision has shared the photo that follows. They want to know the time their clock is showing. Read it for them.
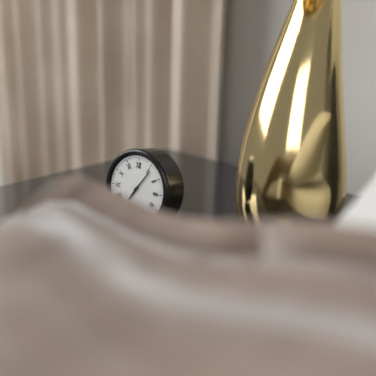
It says 7:06
